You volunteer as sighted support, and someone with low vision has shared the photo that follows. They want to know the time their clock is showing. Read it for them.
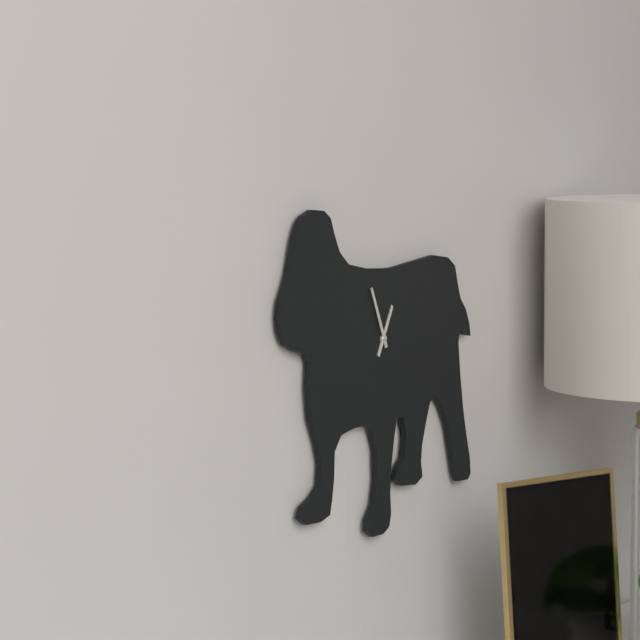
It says 12:56
